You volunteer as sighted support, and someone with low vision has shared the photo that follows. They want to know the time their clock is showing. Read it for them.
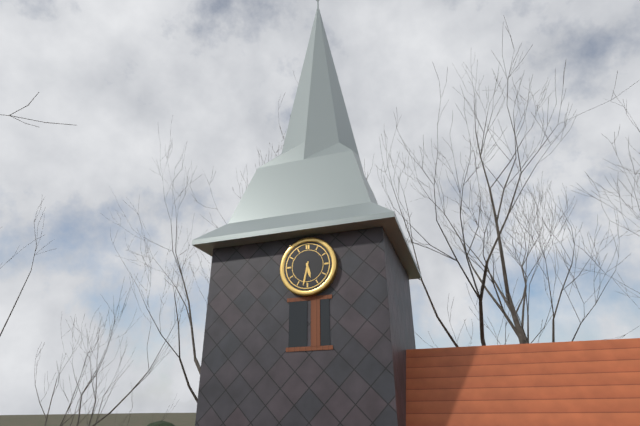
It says 5:32
